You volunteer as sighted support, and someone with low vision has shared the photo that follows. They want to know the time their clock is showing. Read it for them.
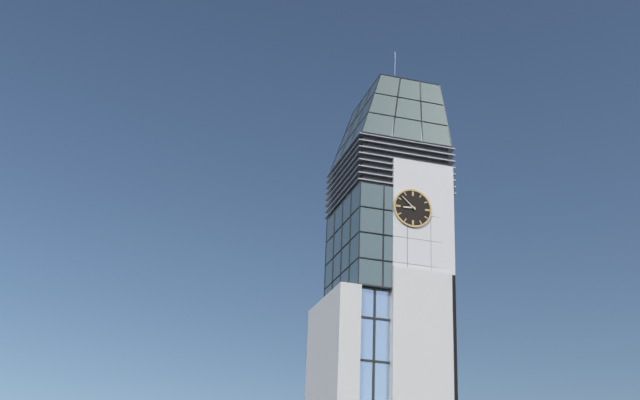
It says 8:52
